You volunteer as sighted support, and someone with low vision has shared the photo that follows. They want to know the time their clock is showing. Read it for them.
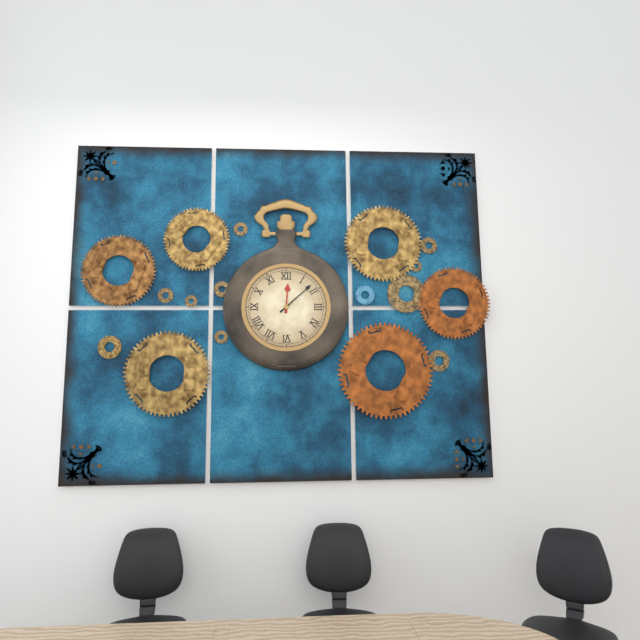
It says 12:08
